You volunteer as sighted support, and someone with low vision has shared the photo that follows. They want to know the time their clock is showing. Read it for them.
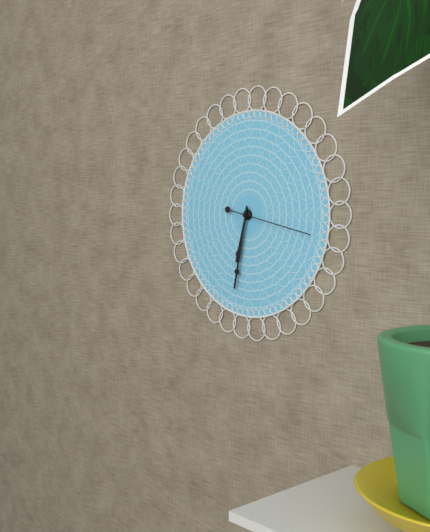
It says 6:32:17
